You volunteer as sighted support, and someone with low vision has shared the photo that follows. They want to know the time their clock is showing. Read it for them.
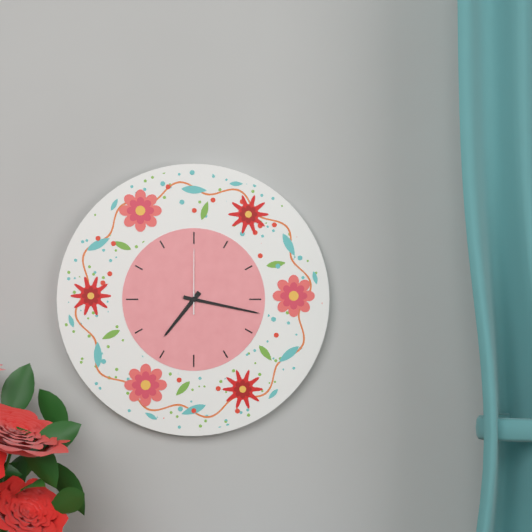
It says 7:17:00
